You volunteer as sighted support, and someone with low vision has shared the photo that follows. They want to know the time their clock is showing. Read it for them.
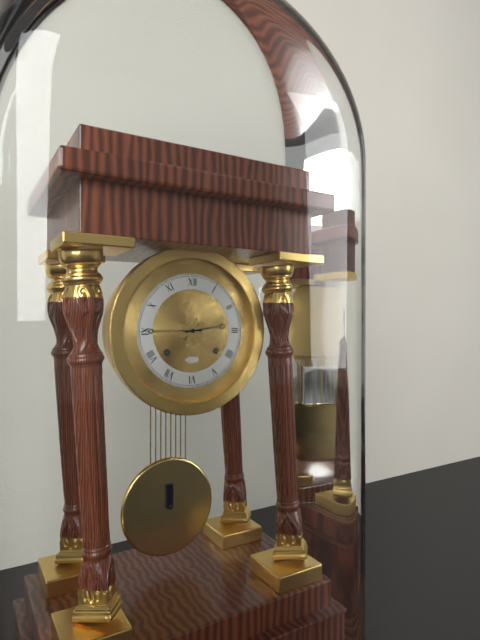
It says 2:45
